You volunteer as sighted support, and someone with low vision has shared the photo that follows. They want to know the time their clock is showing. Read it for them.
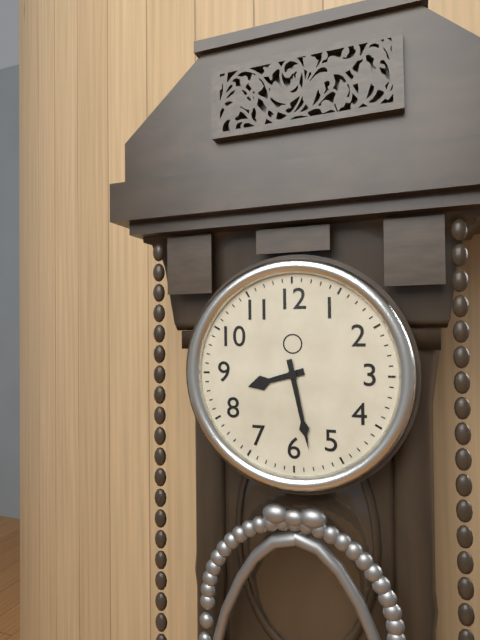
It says 8:28
